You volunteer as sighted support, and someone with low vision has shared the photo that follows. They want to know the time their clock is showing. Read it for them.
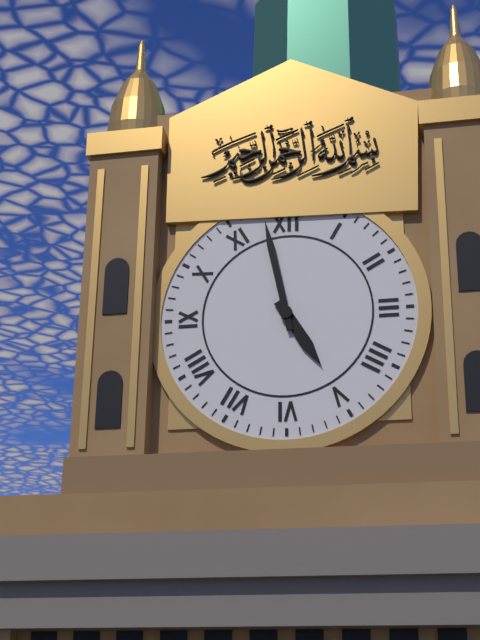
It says 4:58
